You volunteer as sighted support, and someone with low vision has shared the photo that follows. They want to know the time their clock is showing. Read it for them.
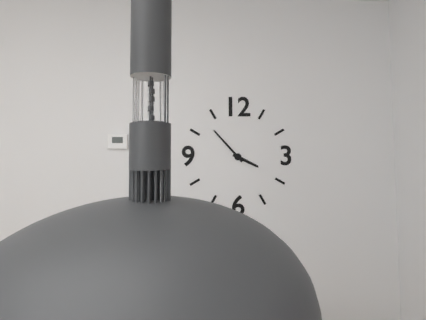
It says 3:53
